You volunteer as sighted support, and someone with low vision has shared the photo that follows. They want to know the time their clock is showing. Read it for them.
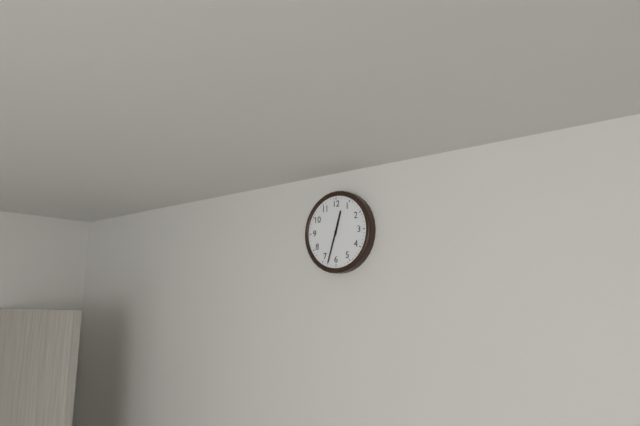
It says 12:33
